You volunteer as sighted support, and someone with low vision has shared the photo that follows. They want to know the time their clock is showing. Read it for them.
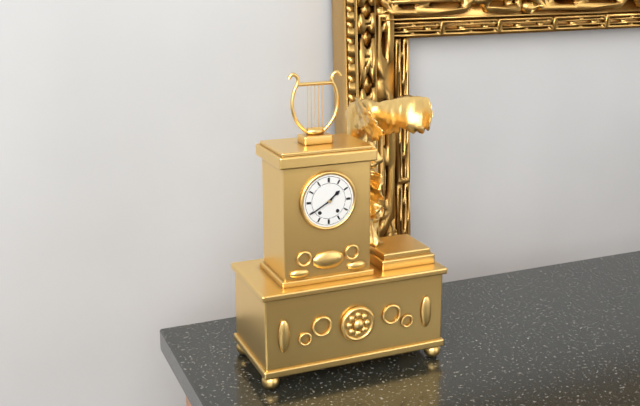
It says 1:40
